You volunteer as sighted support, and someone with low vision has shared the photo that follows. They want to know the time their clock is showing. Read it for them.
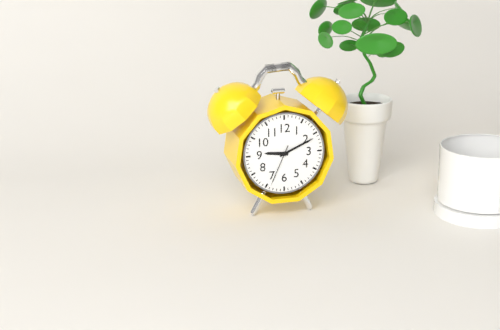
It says 9:11
